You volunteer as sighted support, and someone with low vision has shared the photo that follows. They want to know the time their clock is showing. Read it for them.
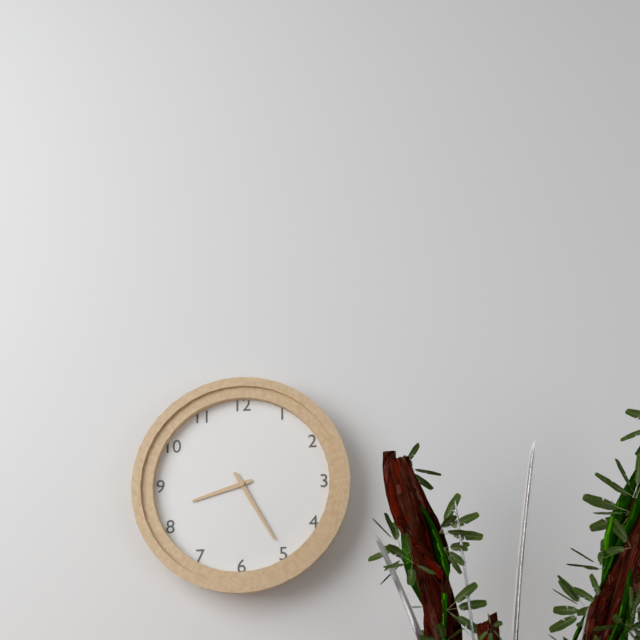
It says 8:25
